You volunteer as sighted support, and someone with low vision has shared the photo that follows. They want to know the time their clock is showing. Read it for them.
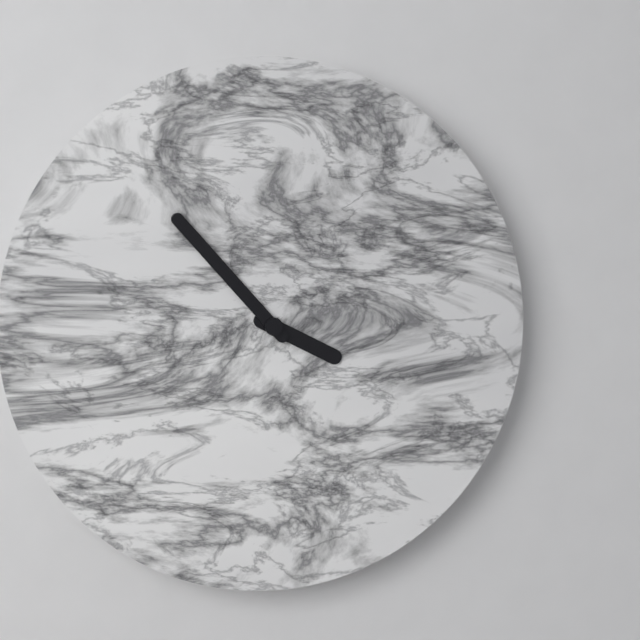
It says 3:53
